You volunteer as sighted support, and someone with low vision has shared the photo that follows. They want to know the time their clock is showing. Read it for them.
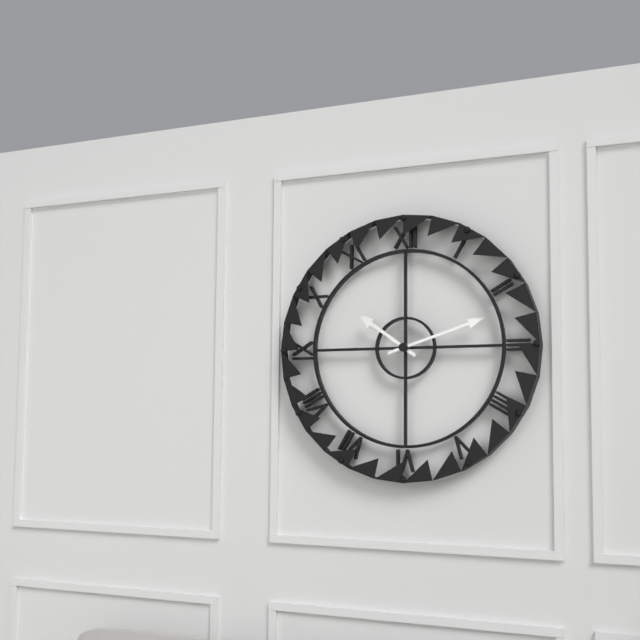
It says 10:12
